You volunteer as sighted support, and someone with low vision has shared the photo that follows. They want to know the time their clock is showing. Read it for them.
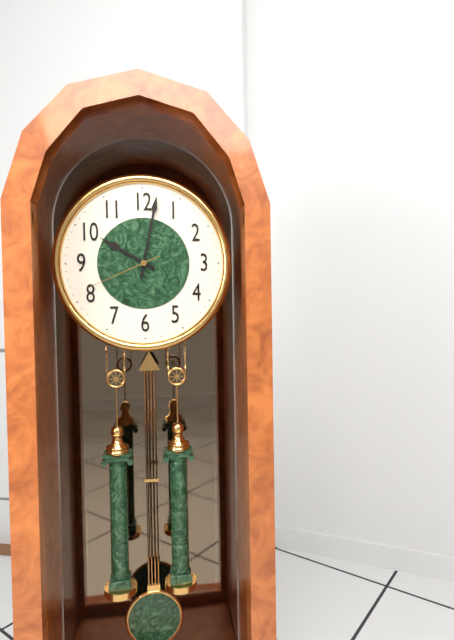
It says 10:02:41
